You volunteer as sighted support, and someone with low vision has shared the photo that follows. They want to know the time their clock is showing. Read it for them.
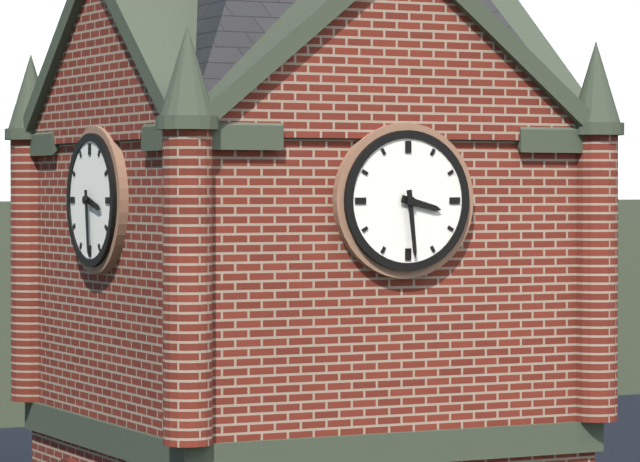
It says 3:29
